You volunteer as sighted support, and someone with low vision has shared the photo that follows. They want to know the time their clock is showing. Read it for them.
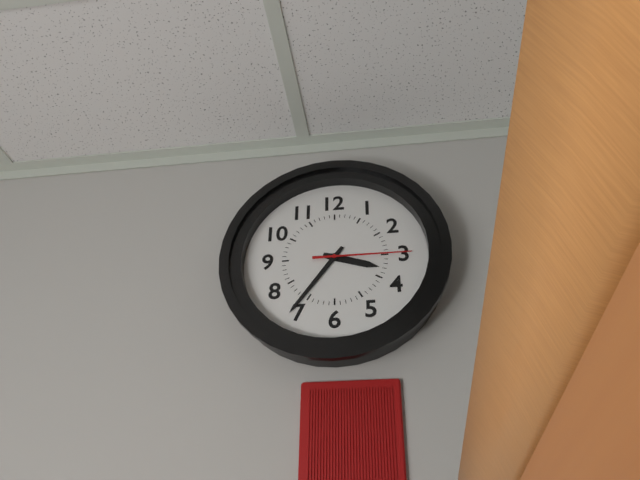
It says 3:36:15
